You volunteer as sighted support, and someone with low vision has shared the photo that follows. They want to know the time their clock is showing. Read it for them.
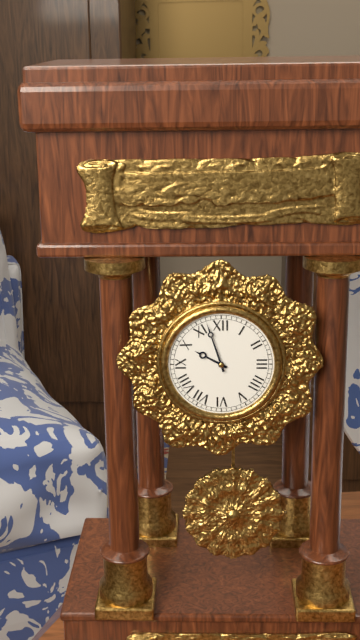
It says 9:57
